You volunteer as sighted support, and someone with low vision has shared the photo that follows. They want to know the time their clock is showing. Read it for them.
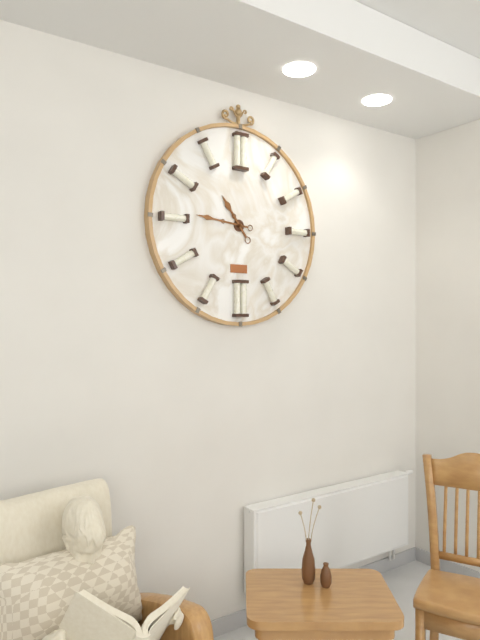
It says 10:46
